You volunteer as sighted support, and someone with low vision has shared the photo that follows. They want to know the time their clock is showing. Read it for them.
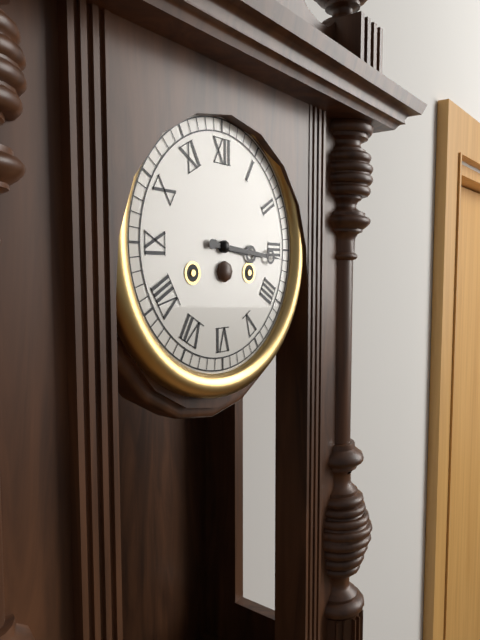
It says 3:16
